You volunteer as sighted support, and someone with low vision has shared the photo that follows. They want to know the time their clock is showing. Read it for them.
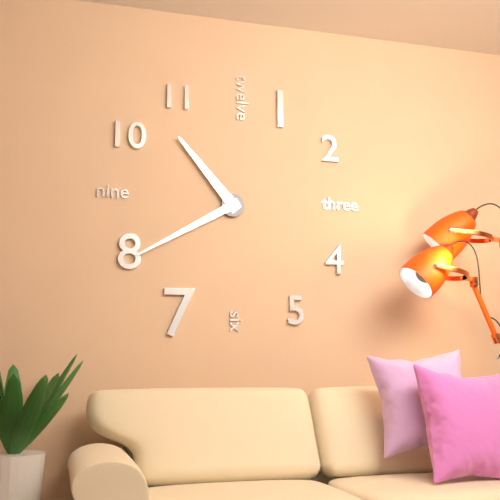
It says 10:40
